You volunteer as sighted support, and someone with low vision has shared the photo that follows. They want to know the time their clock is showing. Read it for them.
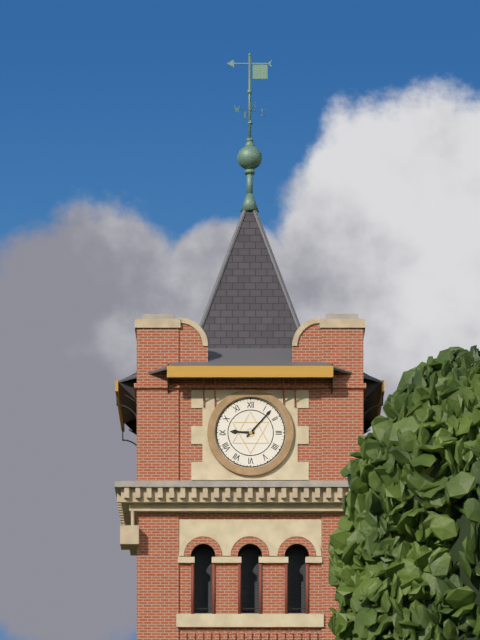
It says 9:07
